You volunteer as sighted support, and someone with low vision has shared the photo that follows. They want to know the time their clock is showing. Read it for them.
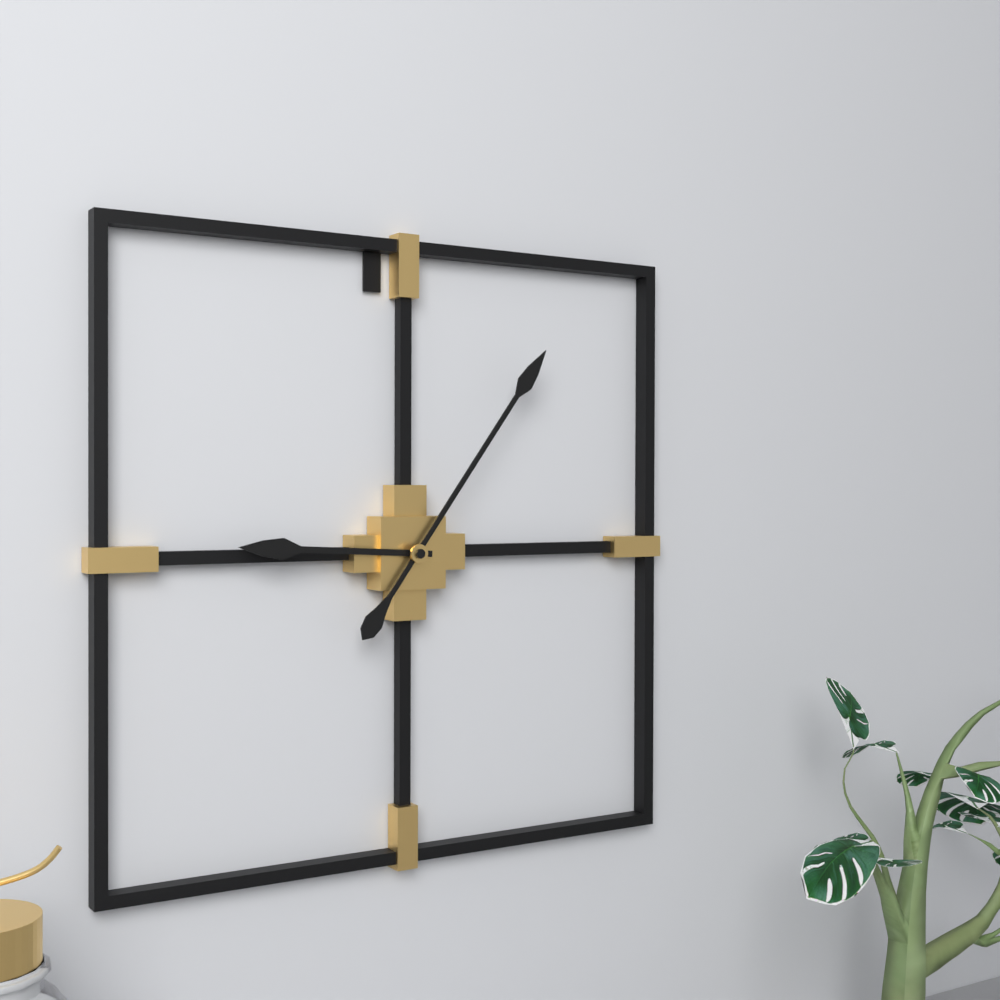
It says 9:06
